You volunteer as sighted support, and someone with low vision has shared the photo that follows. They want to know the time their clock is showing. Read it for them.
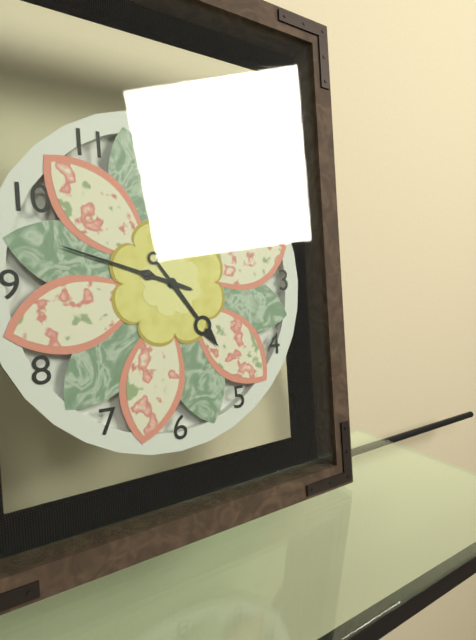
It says 4:48
